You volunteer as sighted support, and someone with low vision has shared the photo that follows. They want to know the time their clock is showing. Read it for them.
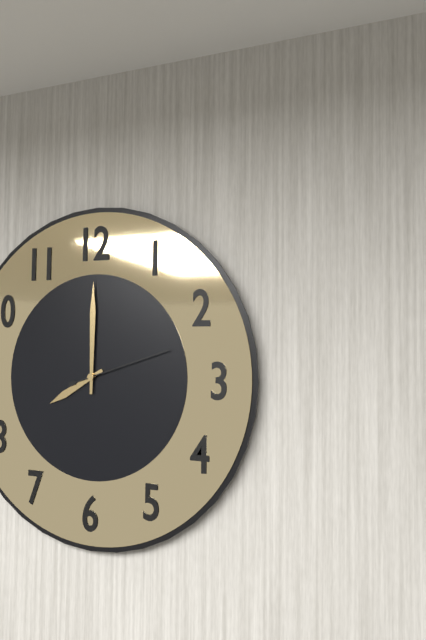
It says 8:00:12
